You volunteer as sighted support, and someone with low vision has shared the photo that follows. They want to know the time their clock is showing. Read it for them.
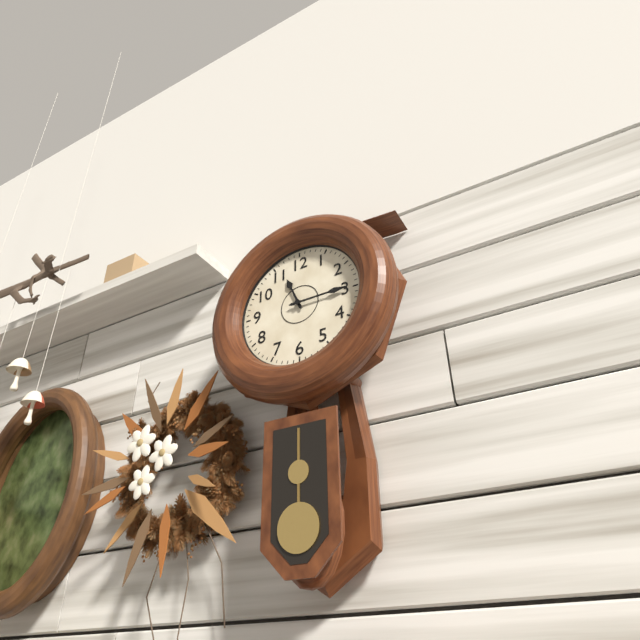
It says 11:15
